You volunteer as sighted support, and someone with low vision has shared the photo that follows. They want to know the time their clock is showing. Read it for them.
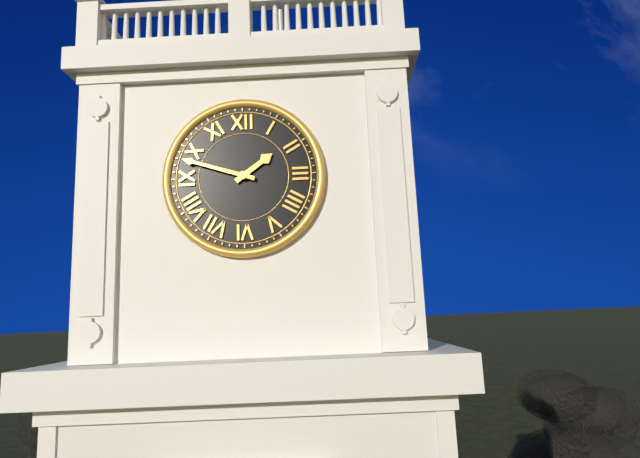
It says 1:48
